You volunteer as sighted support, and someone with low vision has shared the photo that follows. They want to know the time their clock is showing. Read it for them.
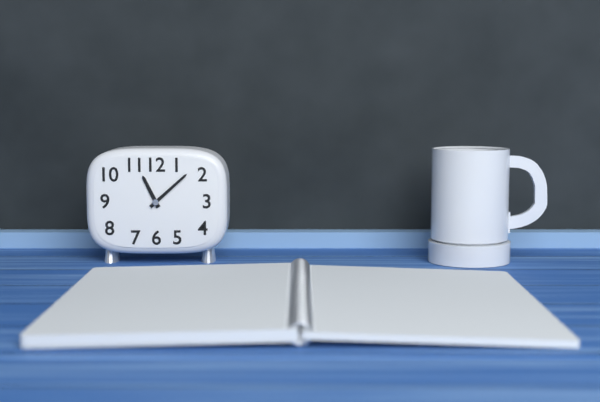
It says 11:08
